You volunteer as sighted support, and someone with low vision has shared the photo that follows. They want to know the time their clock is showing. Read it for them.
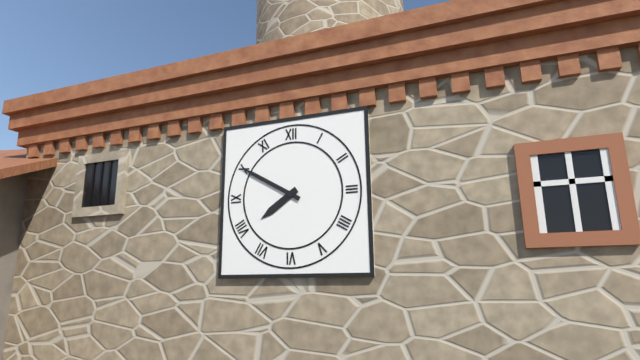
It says 7:50
